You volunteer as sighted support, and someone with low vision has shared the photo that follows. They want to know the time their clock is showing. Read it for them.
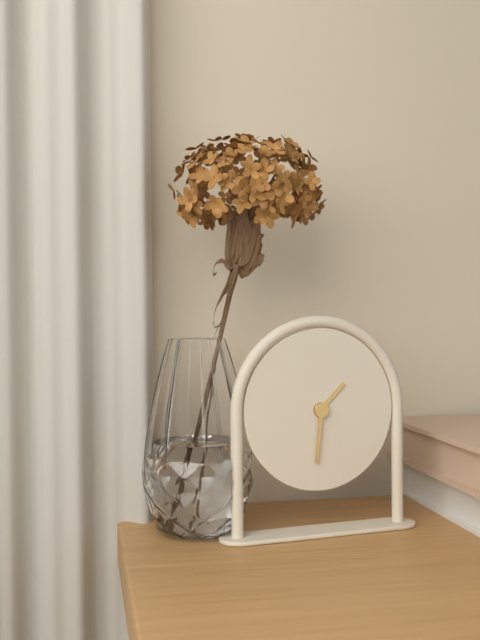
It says 1:31
